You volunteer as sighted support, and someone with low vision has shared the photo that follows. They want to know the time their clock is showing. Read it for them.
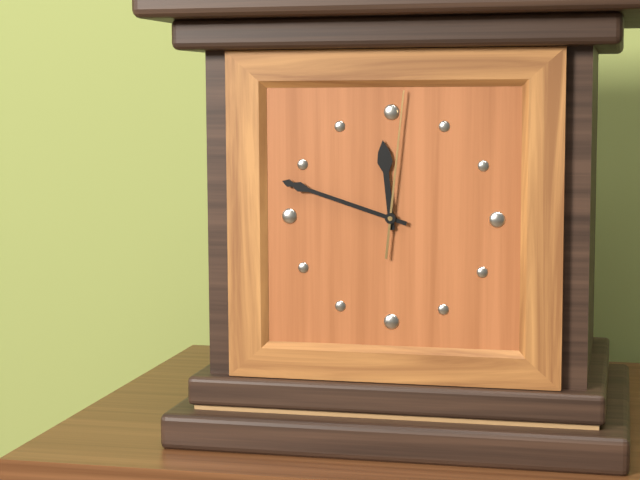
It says 11:48:01
